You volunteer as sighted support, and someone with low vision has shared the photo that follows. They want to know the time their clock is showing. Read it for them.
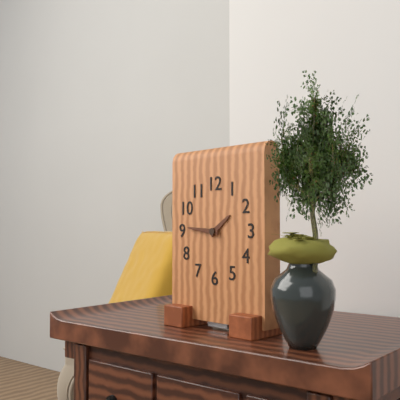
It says 1:46
